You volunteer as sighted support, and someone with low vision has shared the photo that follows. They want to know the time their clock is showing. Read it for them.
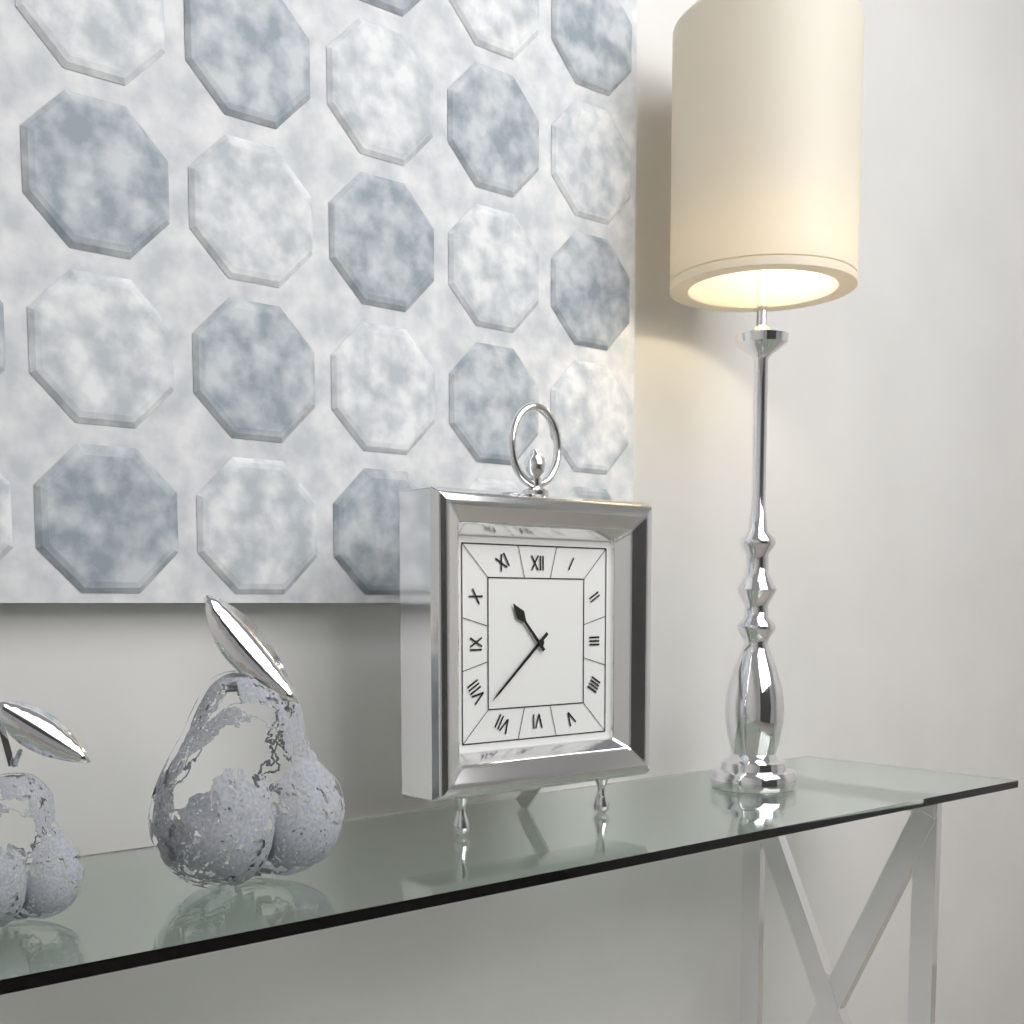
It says 10:38
